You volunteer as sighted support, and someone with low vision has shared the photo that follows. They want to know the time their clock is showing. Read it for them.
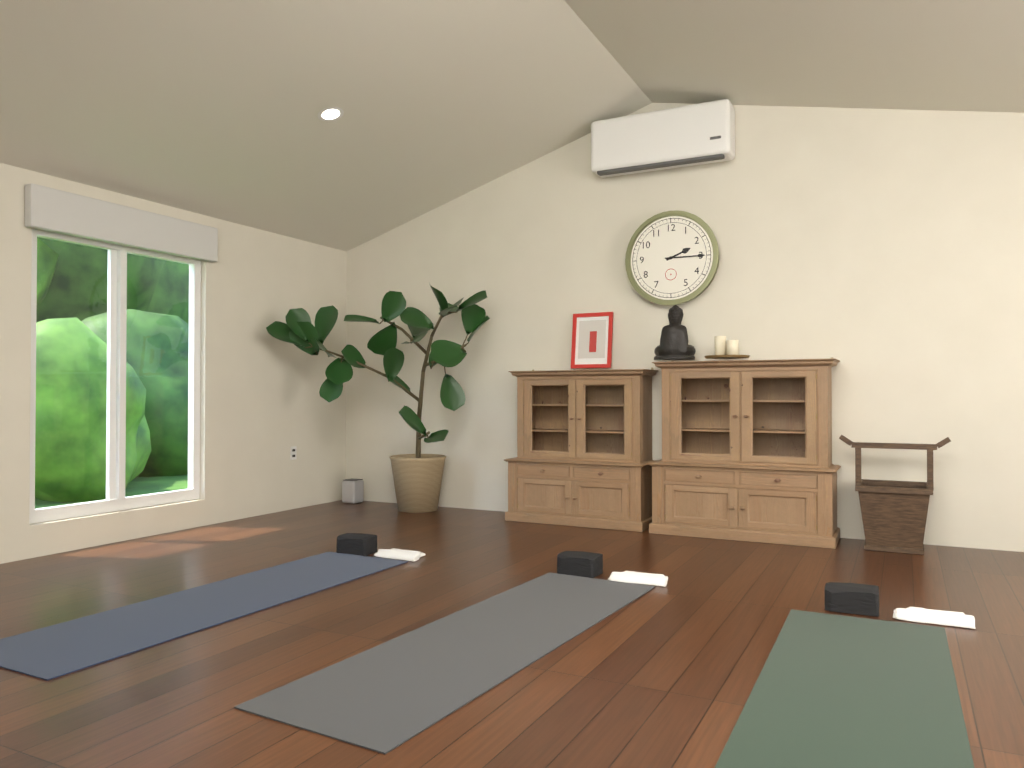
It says 2:15
